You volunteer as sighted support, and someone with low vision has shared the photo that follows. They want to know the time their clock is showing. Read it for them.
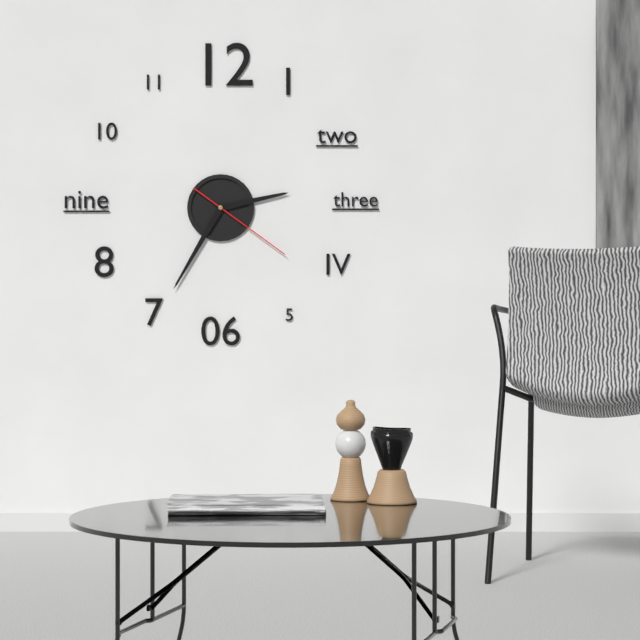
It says 2:35:21
